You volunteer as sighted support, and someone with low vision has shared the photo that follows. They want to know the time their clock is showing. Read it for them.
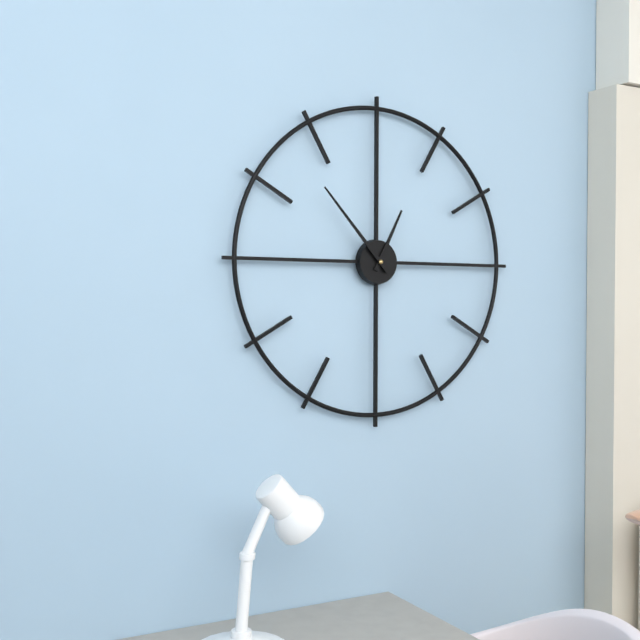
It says 12:53
